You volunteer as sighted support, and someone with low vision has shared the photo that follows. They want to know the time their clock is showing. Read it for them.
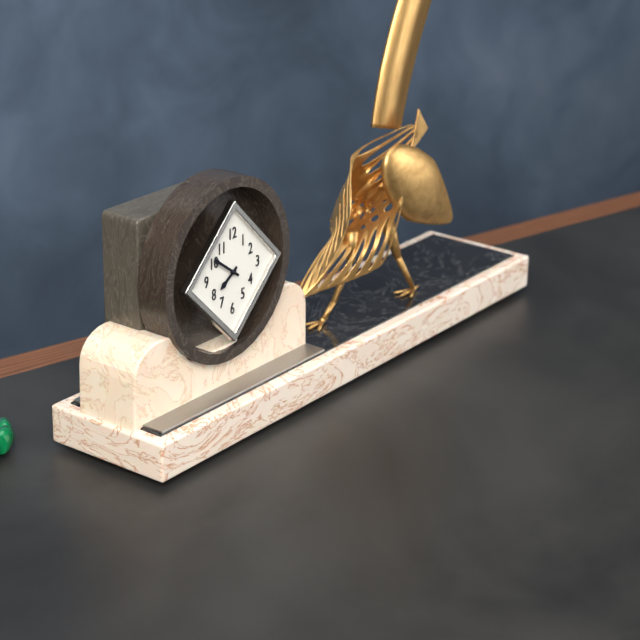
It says 7:51
